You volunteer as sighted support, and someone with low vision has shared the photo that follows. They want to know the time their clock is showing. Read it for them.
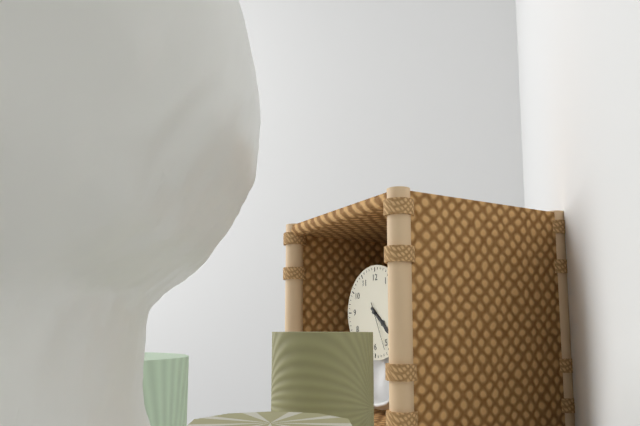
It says 4:22
